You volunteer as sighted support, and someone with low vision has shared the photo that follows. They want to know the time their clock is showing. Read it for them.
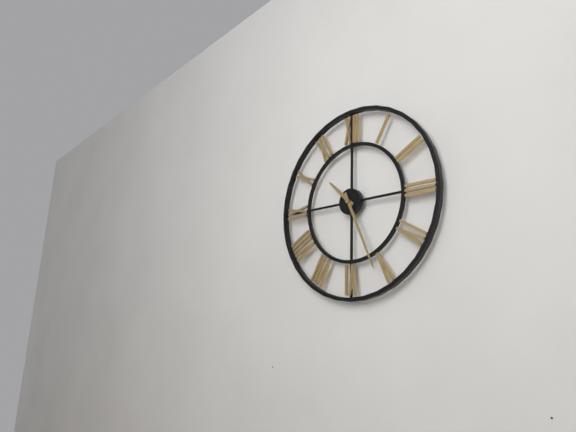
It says 10:26
